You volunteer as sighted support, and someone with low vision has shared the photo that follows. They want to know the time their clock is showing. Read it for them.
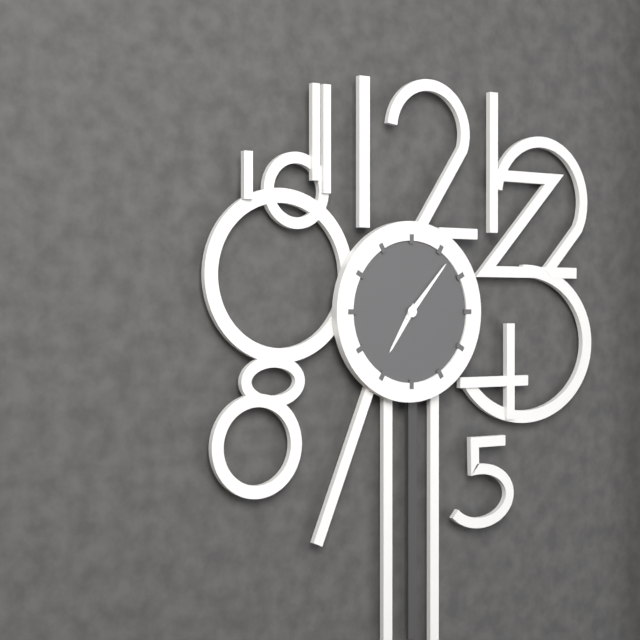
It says 7:07
